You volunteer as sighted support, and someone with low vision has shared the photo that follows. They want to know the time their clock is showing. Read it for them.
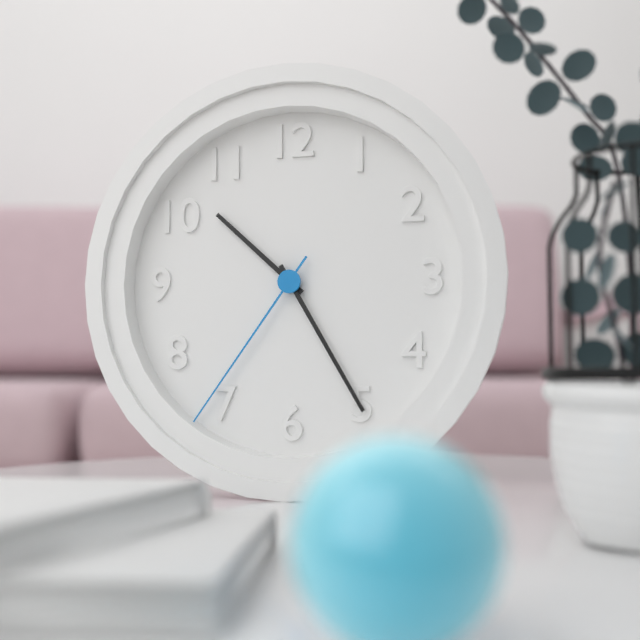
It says 10:25:36
